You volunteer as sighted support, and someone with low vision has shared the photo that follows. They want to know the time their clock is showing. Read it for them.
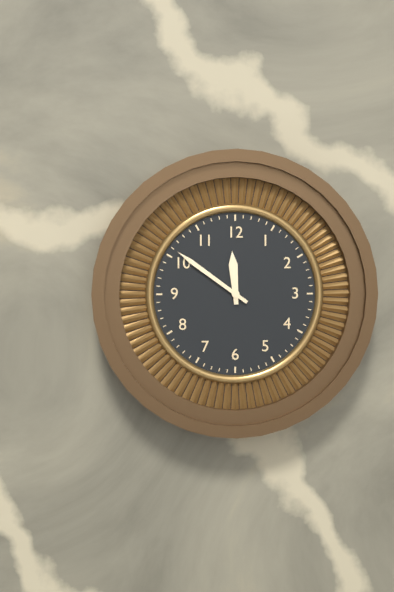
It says 11:51
